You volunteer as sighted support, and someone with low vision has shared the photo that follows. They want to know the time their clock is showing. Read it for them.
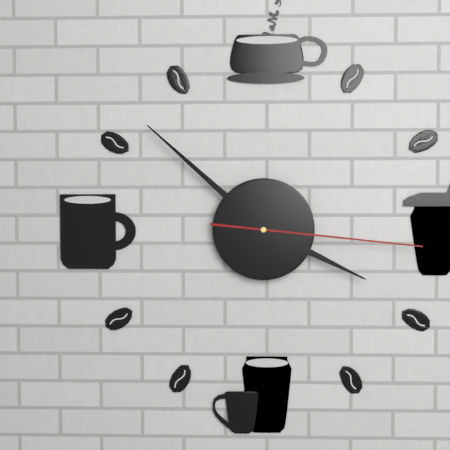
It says 3:52:16
